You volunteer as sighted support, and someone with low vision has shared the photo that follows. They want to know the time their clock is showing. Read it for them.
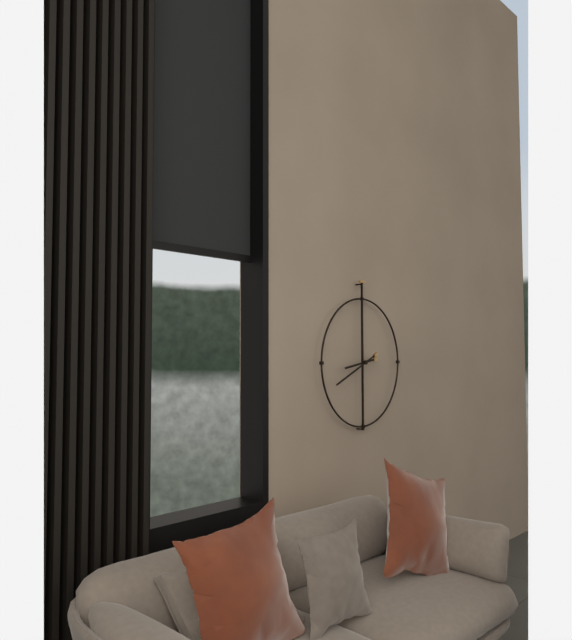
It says 8:41
